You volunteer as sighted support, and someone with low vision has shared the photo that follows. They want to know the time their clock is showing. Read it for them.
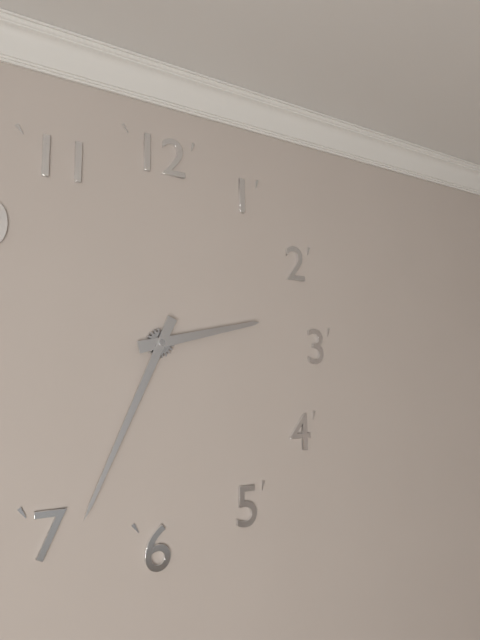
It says 2:34
